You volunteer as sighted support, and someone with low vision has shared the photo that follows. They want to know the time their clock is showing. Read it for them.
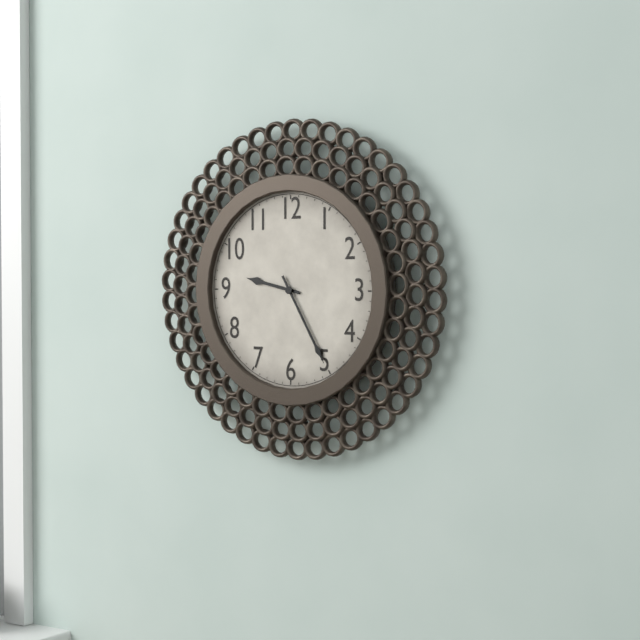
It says 9:25
